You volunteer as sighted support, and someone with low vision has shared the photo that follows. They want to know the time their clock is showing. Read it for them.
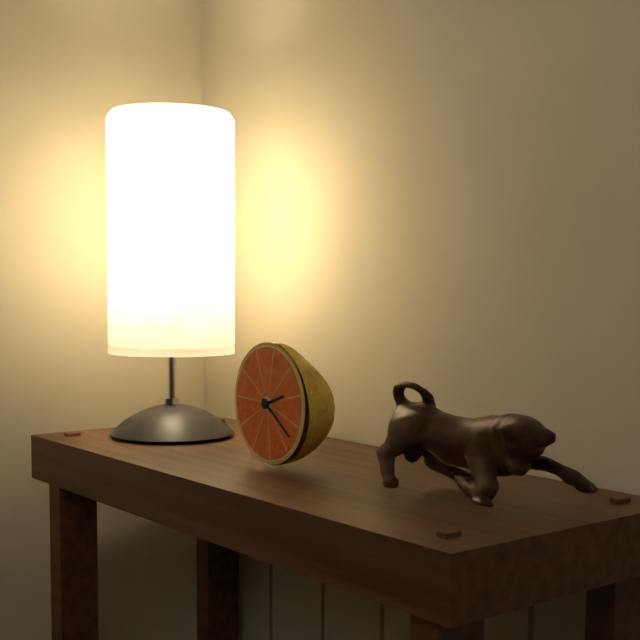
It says 2:21
